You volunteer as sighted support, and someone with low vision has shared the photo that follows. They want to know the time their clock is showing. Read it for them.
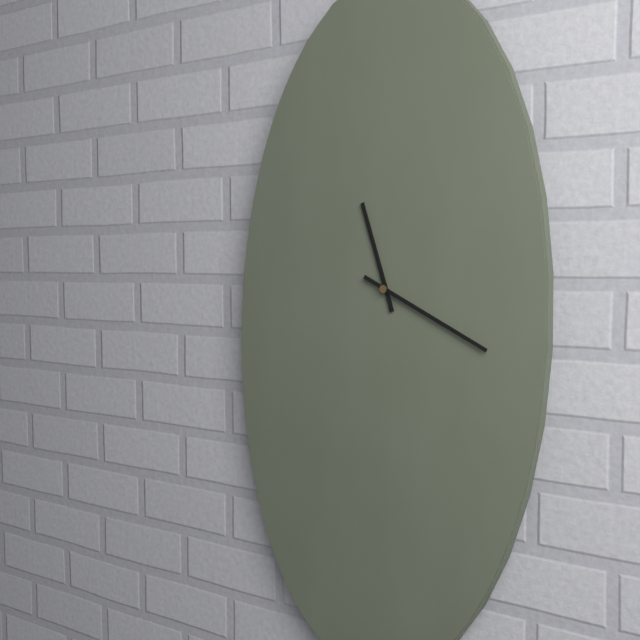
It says 11:19
